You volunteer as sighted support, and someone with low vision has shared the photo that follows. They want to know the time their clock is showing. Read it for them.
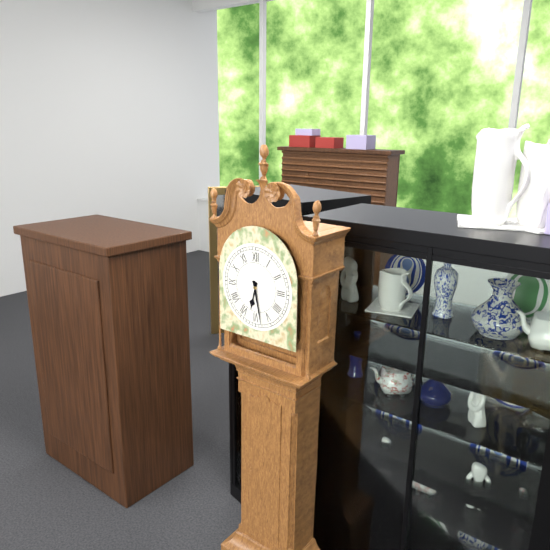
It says 6:28
